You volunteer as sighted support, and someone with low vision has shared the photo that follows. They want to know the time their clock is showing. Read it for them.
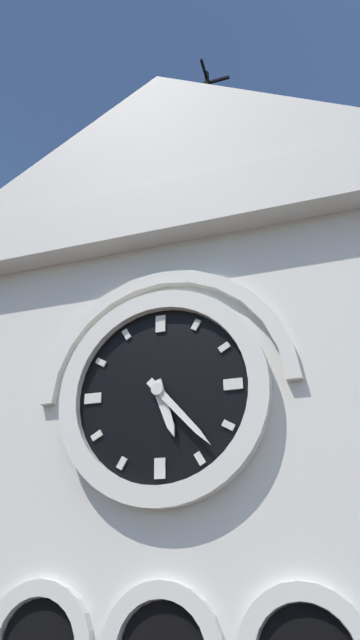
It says 5:23
